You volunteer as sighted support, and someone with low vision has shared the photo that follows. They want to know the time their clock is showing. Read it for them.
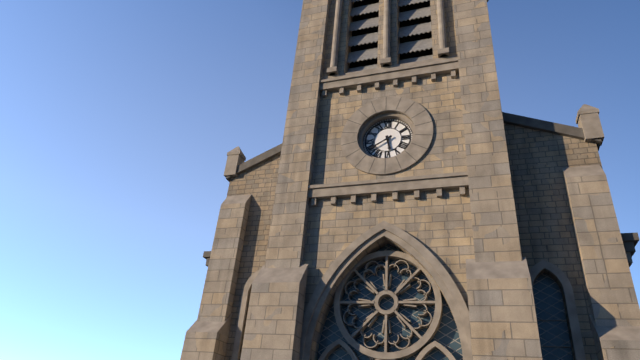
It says 5:40
